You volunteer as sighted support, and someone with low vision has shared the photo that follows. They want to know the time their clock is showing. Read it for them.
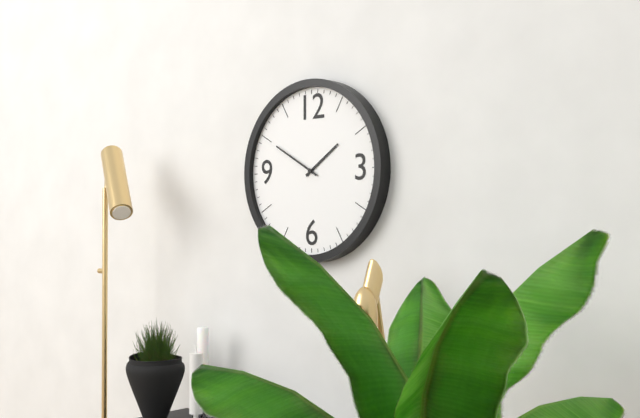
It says 1:50
